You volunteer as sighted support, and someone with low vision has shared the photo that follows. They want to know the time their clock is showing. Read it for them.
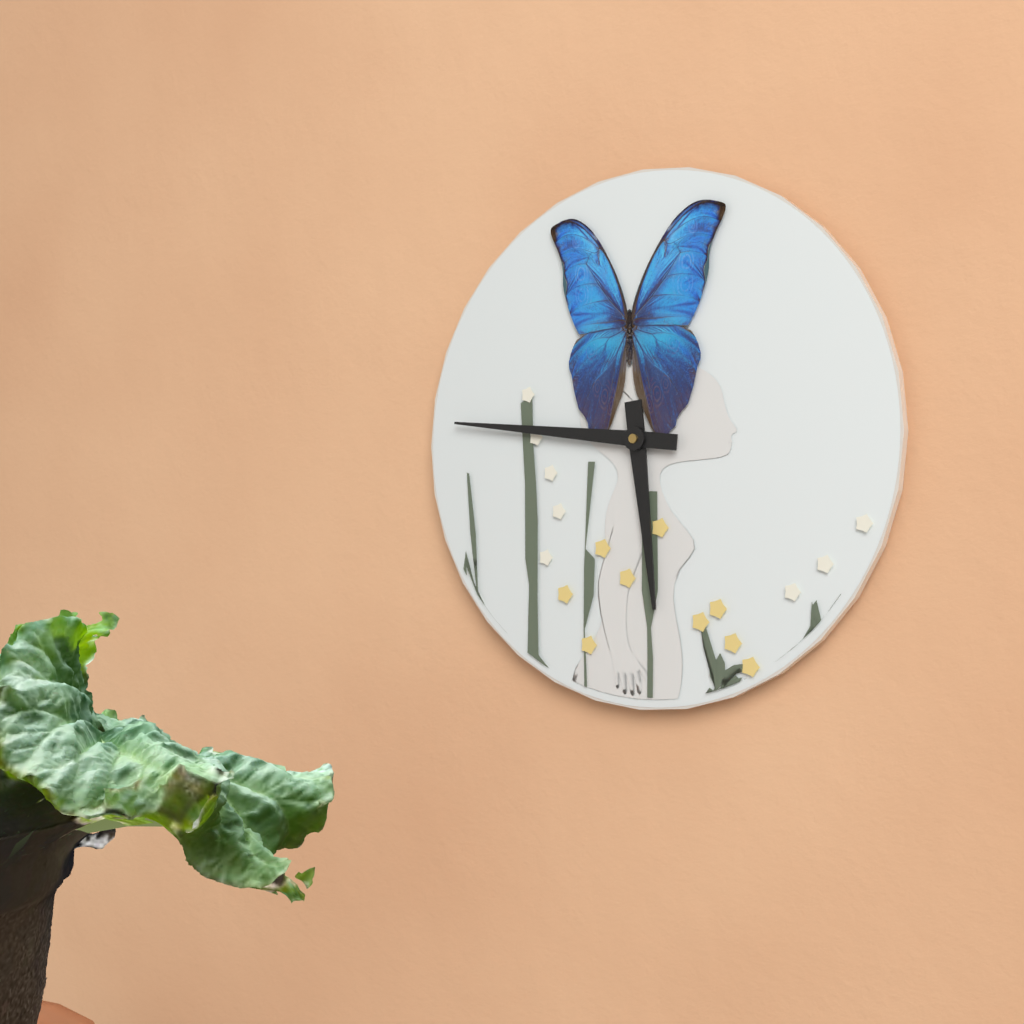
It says 5:46
